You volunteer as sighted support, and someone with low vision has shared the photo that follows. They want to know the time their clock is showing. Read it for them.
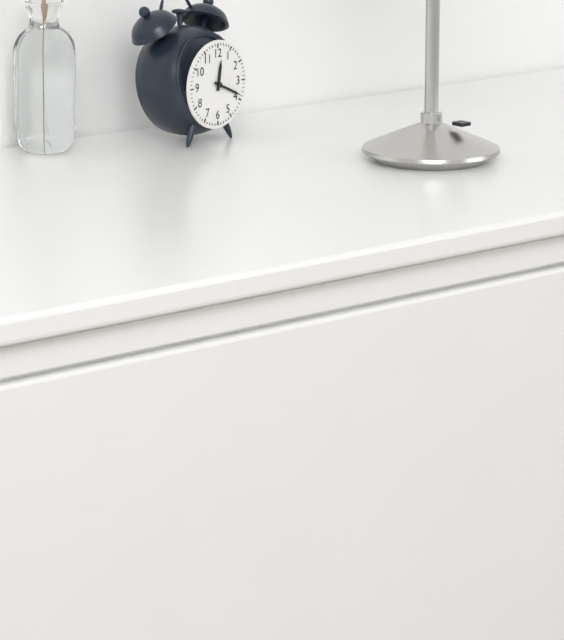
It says 12:19
